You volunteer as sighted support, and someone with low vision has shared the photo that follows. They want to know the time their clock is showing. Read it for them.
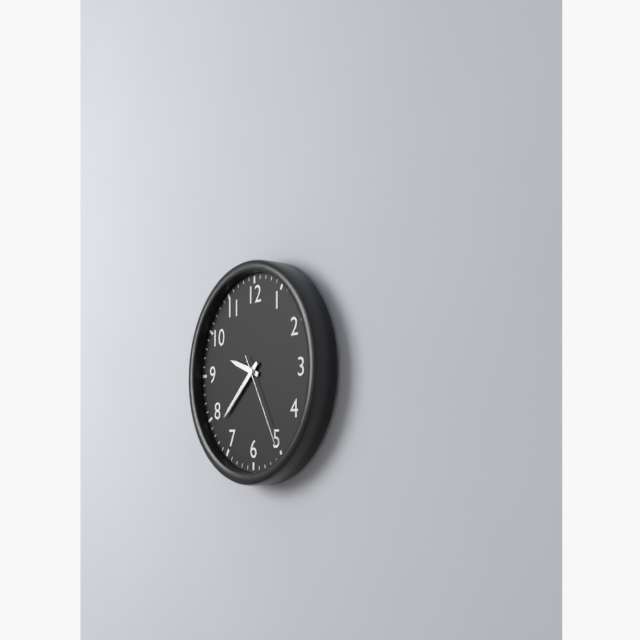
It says 9:38:25
